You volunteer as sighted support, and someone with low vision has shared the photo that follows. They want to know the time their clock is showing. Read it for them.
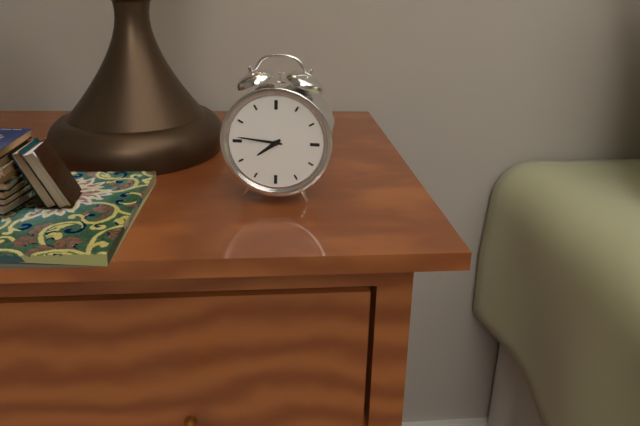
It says 7:46
